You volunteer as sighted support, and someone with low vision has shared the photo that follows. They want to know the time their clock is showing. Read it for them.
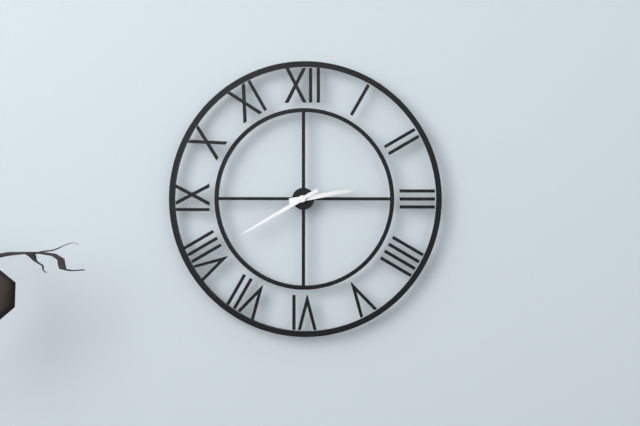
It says 2:40
